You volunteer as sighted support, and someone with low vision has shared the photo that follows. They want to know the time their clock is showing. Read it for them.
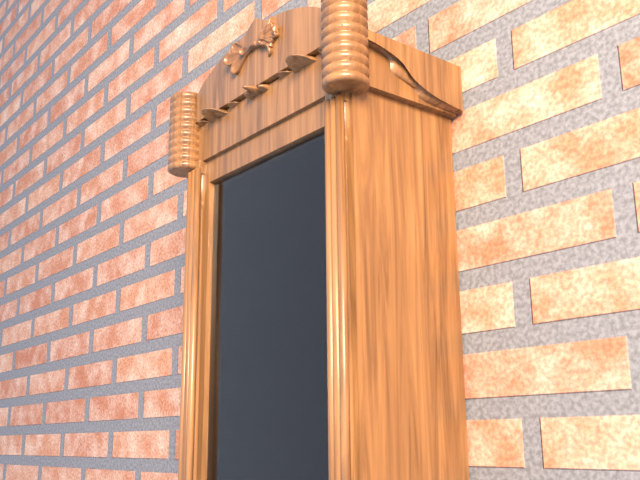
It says 12:37
